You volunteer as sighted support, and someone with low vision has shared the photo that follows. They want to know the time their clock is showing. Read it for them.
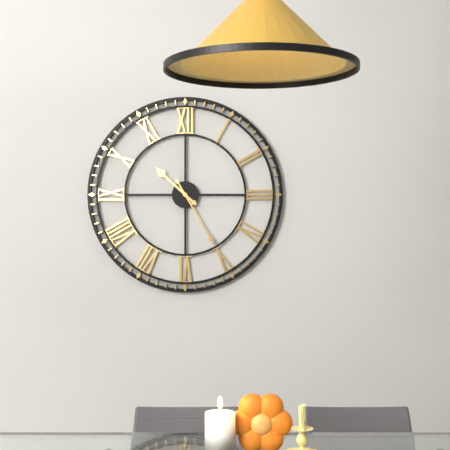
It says 10:25
